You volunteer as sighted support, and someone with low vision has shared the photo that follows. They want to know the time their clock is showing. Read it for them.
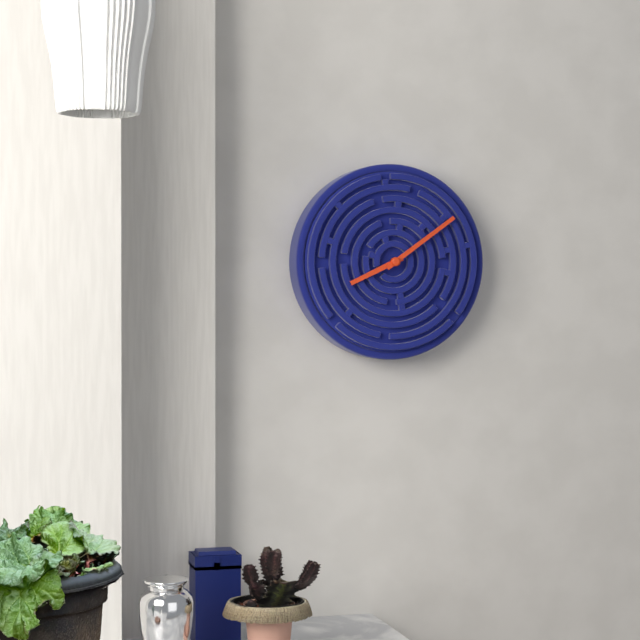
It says 8:09
